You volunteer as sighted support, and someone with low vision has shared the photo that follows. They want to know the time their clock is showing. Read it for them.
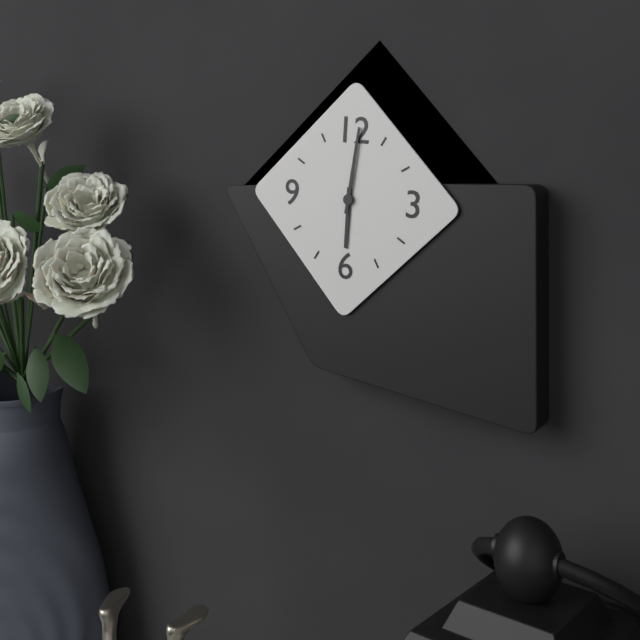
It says 6:01
